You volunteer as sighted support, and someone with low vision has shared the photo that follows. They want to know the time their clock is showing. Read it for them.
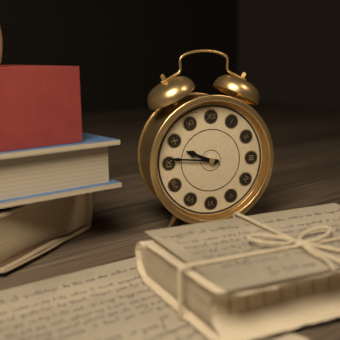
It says 9:46
